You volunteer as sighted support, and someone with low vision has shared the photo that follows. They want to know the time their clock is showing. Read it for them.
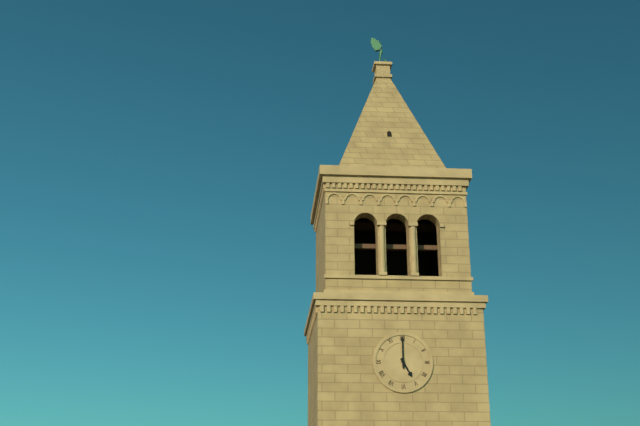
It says 5:00
